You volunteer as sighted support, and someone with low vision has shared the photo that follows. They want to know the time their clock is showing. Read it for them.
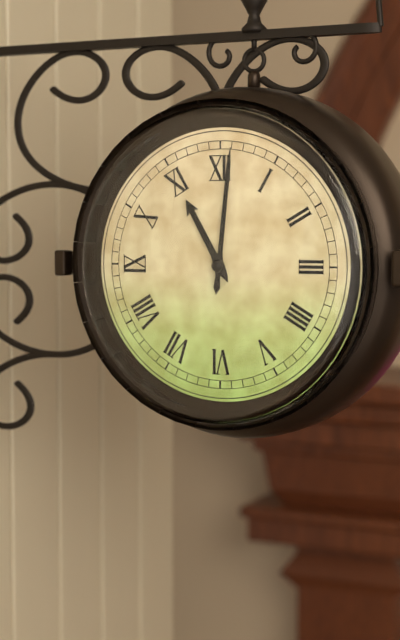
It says 11:01
